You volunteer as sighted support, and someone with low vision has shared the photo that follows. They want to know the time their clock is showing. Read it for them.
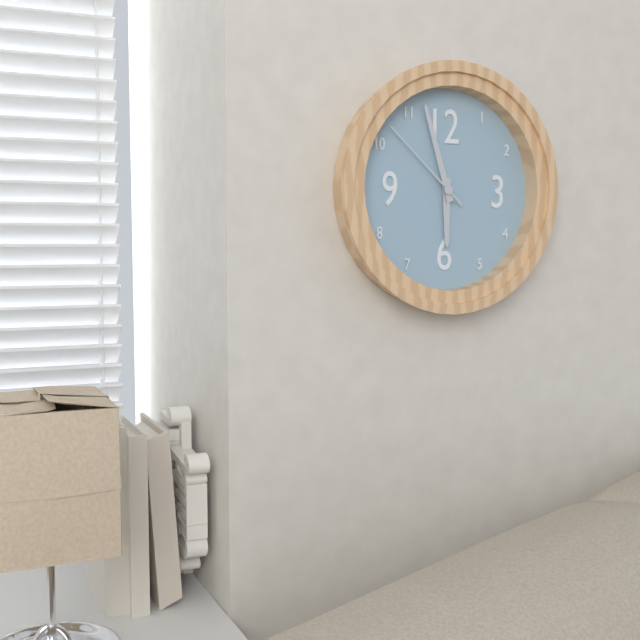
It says 5:57:52
